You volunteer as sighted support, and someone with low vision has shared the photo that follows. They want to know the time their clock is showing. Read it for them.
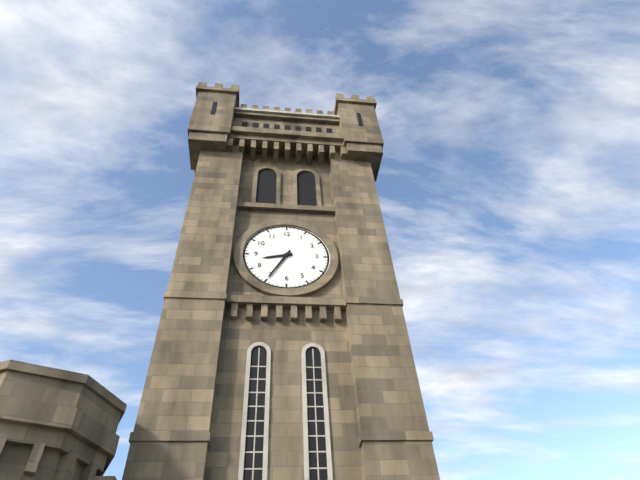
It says 8:35
